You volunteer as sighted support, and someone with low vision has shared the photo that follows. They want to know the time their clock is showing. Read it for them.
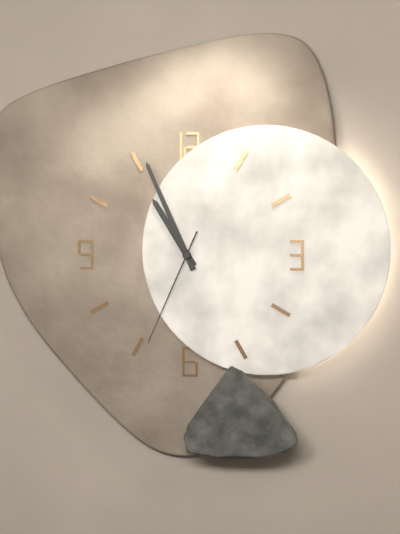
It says 10:56:34
